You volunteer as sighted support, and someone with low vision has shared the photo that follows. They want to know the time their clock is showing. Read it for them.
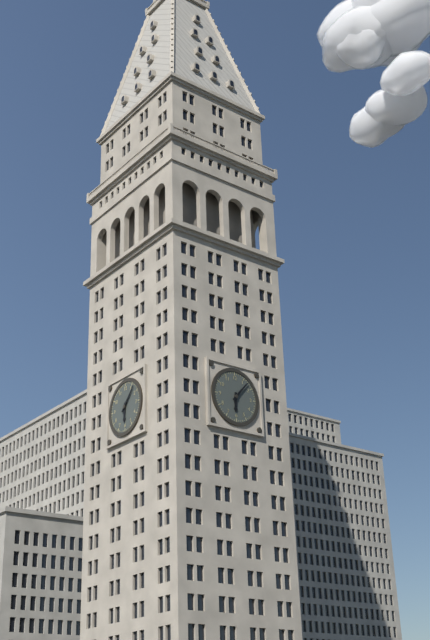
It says 6:07
